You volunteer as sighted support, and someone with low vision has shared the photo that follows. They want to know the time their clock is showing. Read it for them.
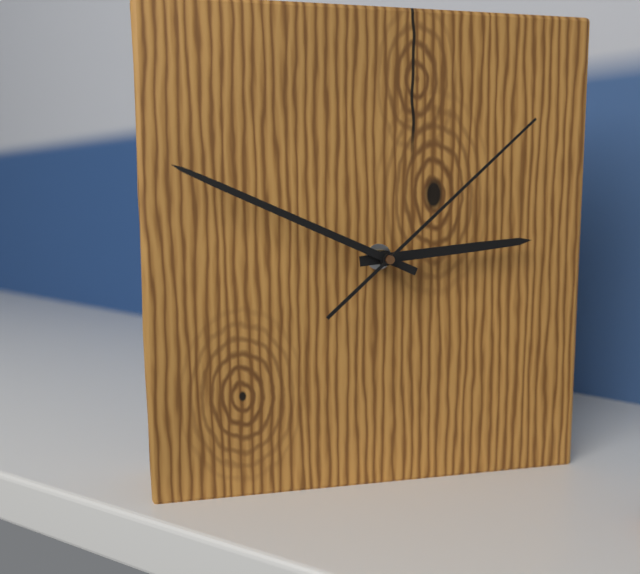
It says 2:49:08
